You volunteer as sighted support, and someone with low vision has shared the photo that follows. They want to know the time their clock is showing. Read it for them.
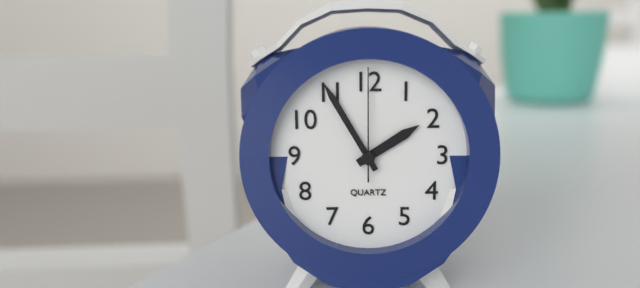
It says 1:55:00
